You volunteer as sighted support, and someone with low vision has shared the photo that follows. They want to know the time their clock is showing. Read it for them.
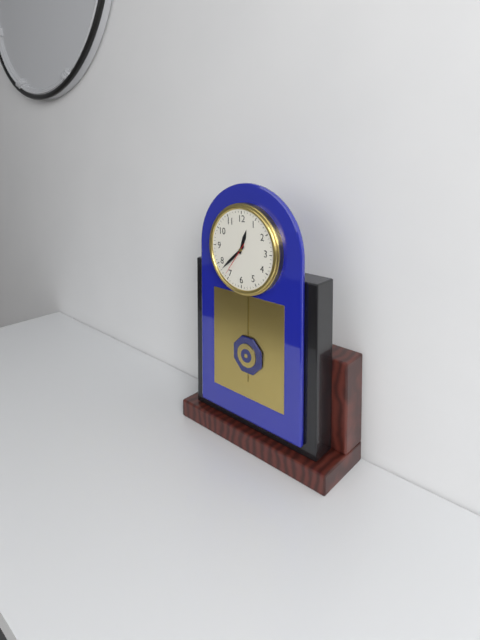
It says 12:38
